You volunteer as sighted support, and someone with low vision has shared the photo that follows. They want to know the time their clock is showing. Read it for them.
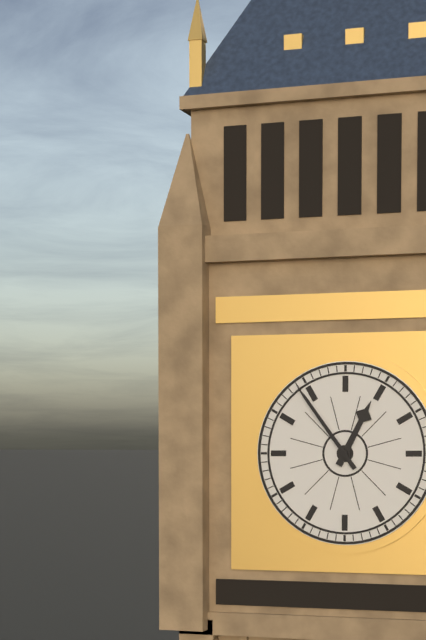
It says 12:54
